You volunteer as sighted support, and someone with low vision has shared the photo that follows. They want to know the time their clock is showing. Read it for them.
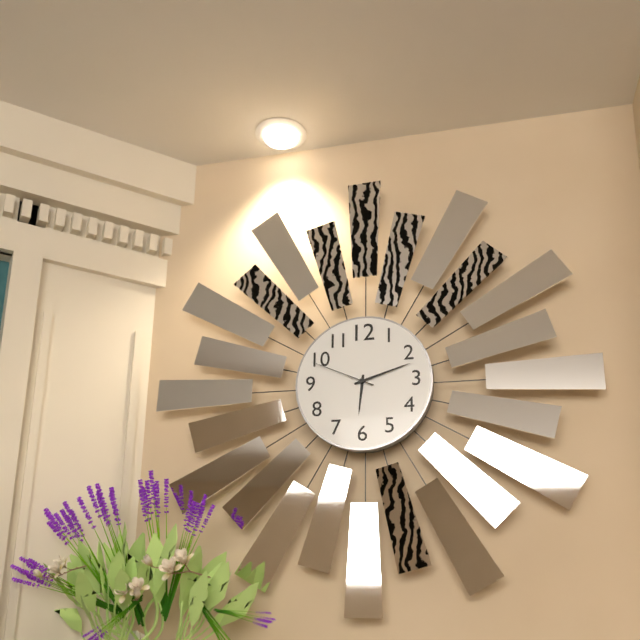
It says 6:12:49
